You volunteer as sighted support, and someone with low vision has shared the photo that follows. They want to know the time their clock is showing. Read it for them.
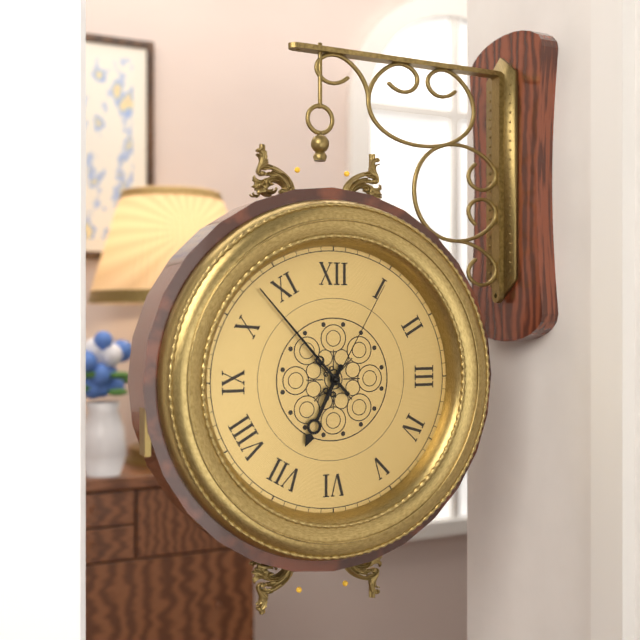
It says 6:53:05
